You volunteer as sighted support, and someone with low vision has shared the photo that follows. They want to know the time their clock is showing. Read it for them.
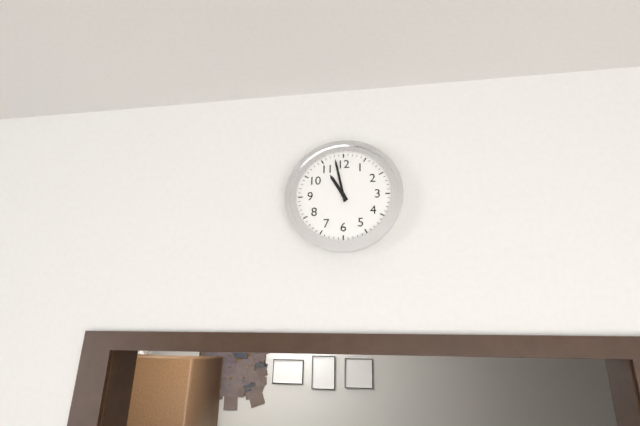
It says 10:58
